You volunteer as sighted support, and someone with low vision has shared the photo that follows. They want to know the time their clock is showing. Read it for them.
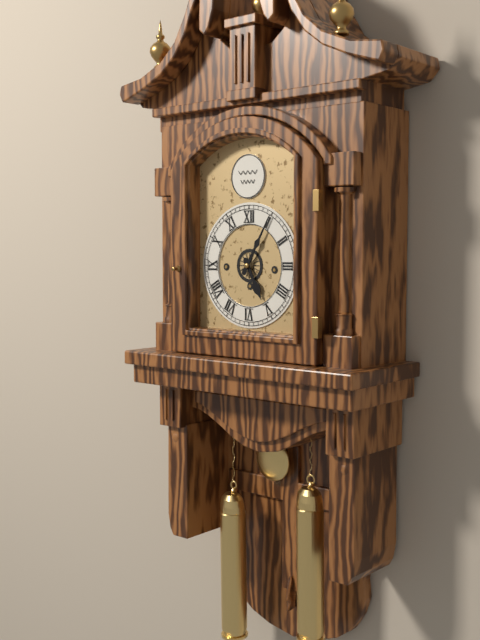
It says 5:05
